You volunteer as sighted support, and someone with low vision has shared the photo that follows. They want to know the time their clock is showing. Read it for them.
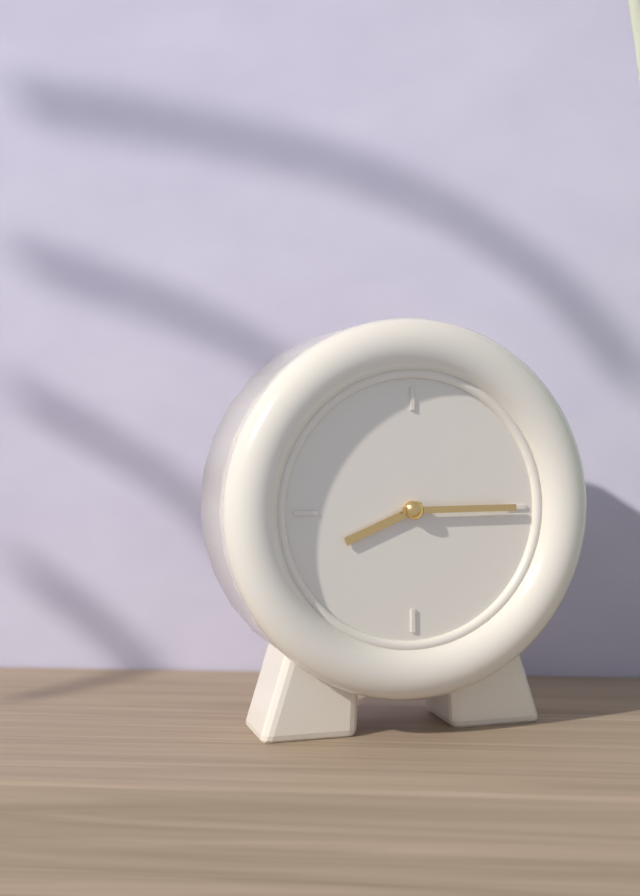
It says 8:15
